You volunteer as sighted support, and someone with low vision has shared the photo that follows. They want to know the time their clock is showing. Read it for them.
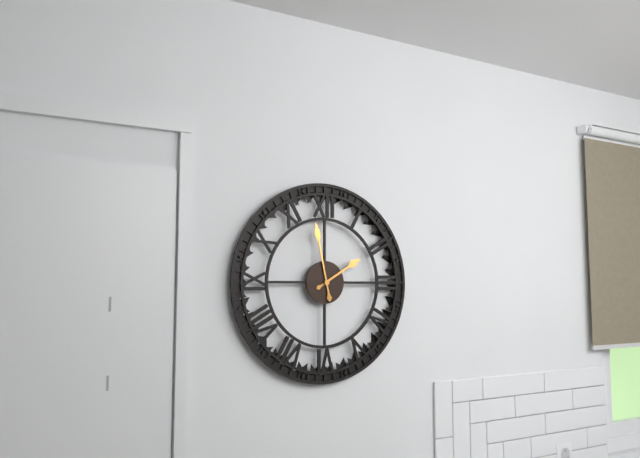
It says 1:58
